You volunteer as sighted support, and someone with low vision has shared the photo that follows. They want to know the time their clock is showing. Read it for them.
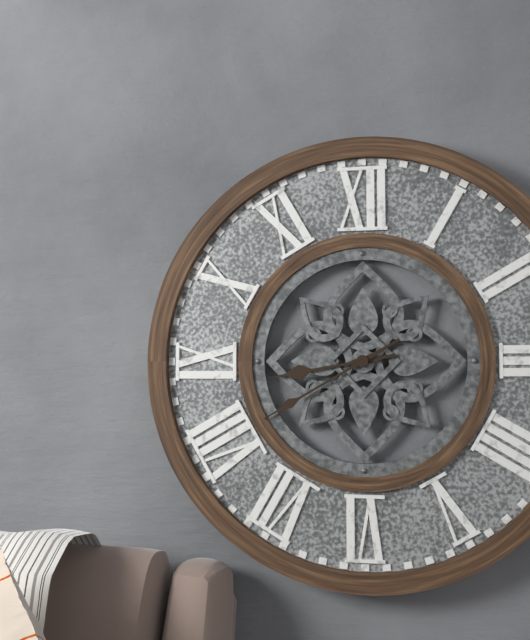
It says 8:40
